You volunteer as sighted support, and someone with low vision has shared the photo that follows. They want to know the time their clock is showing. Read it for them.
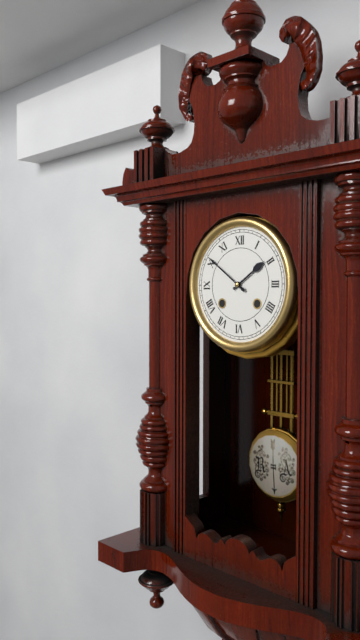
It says 1:51
